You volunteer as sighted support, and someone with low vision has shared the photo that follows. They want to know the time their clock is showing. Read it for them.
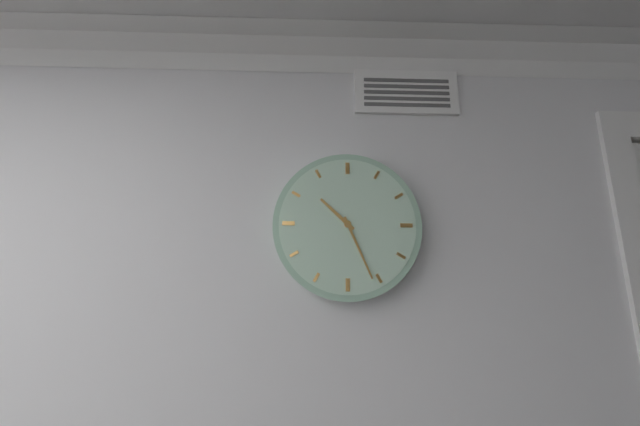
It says 10:26
